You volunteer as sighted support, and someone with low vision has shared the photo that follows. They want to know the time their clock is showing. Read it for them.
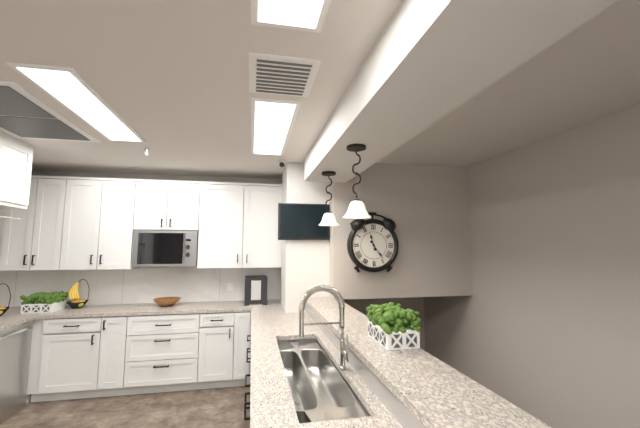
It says 11:24
